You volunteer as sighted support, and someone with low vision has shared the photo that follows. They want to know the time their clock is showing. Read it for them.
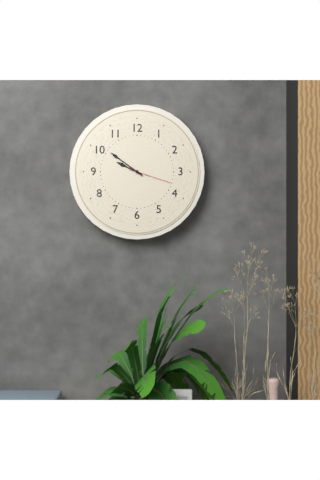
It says 9:51
